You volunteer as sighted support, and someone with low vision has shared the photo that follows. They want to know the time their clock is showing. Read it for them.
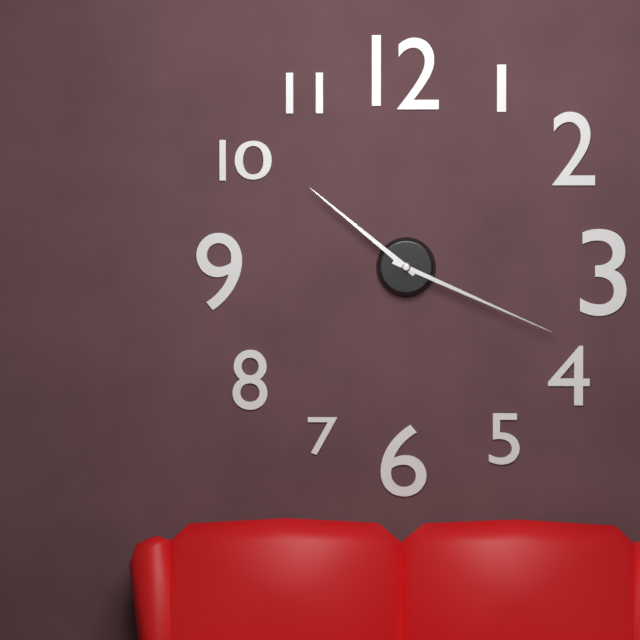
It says 10:19
